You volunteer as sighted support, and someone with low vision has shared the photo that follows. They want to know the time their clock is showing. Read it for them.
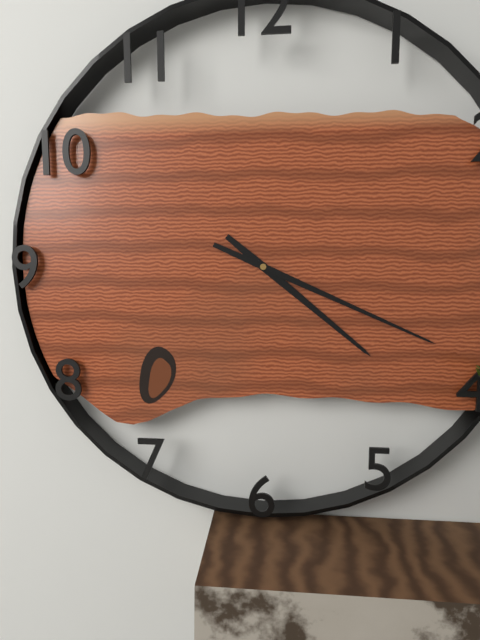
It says 4:19
